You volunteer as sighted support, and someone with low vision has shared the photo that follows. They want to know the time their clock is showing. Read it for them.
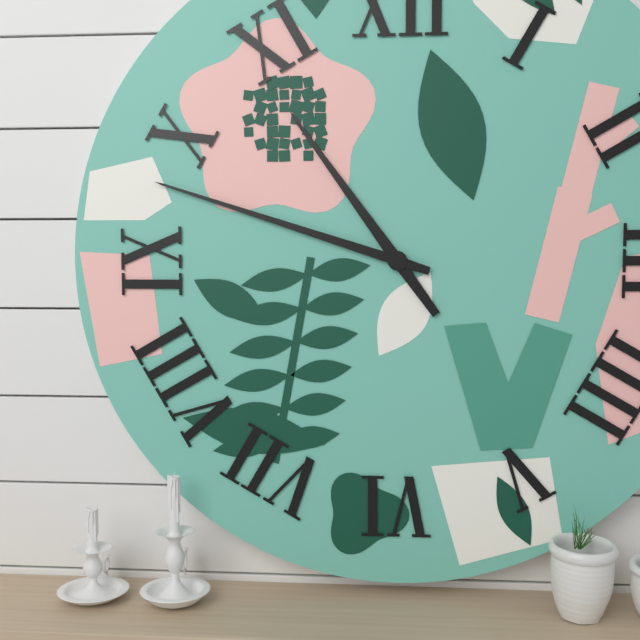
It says 10:48
